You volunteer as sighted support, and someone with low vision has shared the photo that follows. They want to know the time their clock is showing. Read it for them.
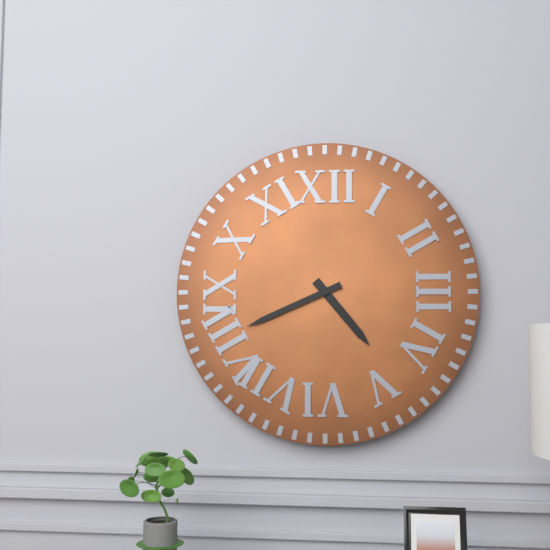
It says 4:41
